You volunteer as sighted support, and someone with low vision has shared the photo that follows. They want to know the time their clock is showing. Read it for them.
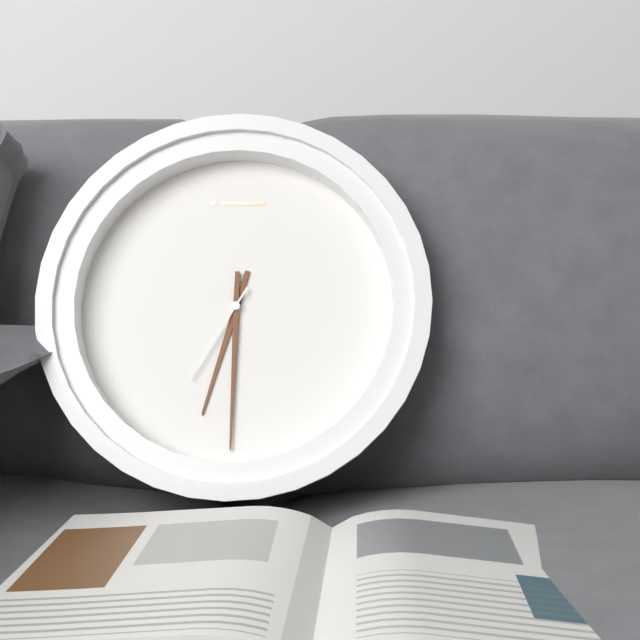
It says 6:30:35
